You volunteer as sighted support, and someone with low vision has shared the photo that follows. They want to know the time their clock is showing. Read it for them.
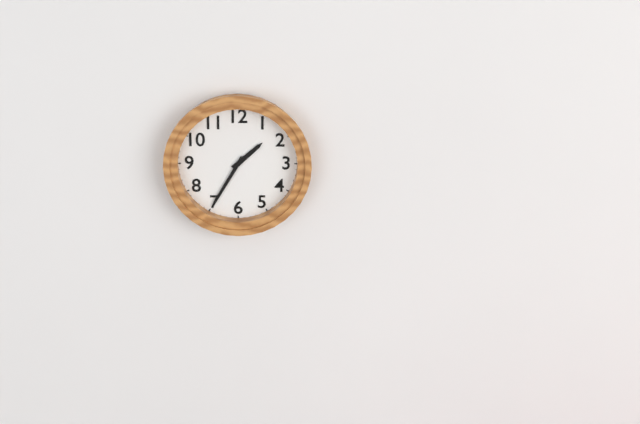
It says 1:35
